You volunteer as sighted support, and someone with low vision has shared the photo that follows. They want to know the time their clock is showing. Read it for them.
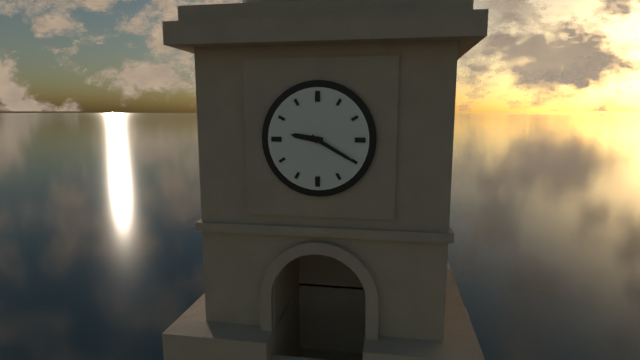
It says 9:20
